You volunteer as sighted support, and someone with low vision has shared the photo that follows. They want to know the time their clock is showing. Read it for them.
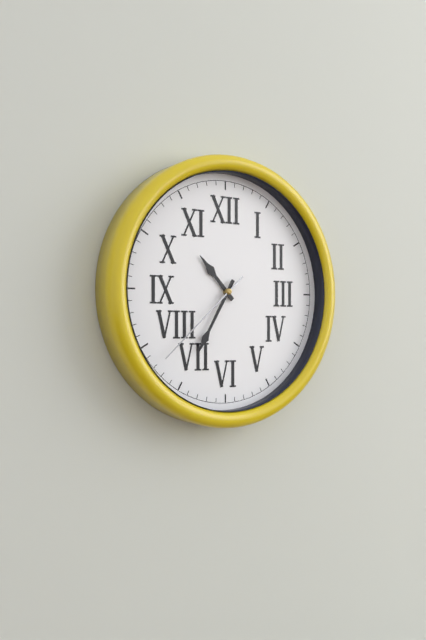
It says 10:35:38
